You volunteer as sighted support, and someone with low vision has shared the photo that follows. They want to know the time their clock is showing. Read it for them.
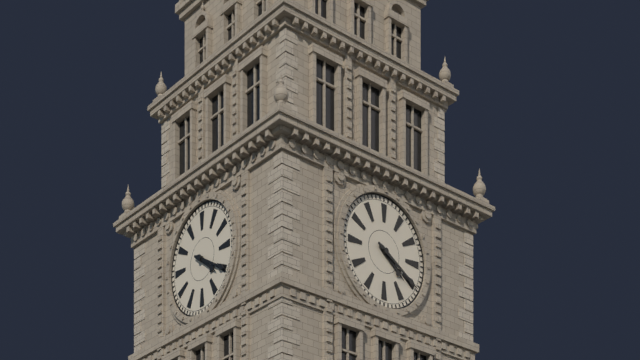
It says 4:20
